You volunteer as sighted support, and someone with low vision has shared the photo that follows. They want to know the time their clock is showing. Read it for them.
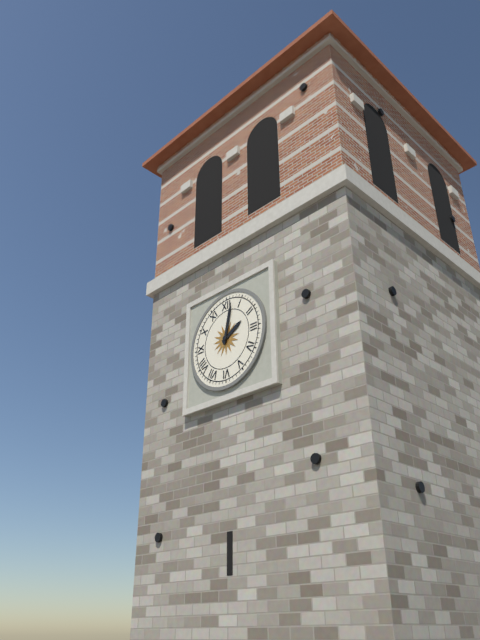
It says 2:02
